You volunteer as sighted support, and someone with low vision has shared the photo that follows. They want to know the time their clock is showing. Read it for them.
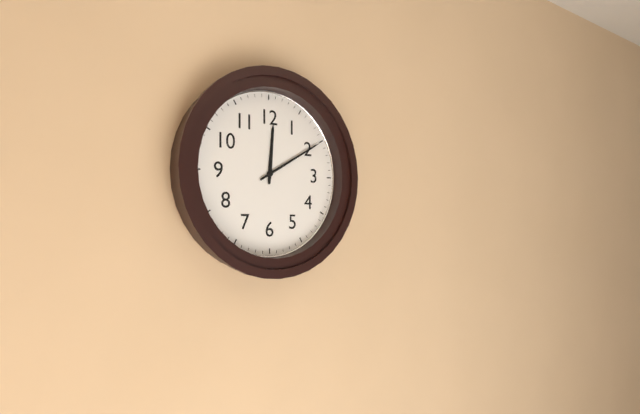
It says 12:10
